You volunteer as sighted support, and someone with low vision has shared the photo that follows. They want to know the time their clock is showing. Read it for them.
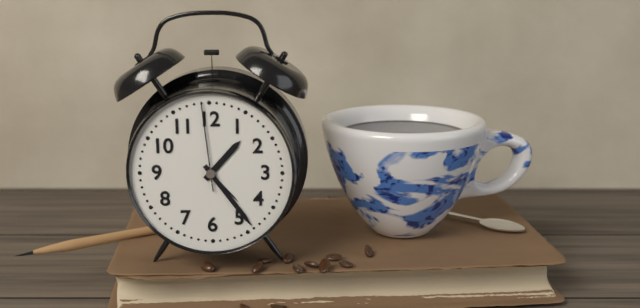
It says 1:24:59
